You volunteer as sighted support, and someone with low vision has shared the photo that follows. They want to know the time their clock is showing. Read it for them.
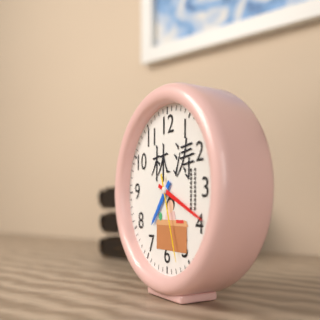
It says 7:19:27
